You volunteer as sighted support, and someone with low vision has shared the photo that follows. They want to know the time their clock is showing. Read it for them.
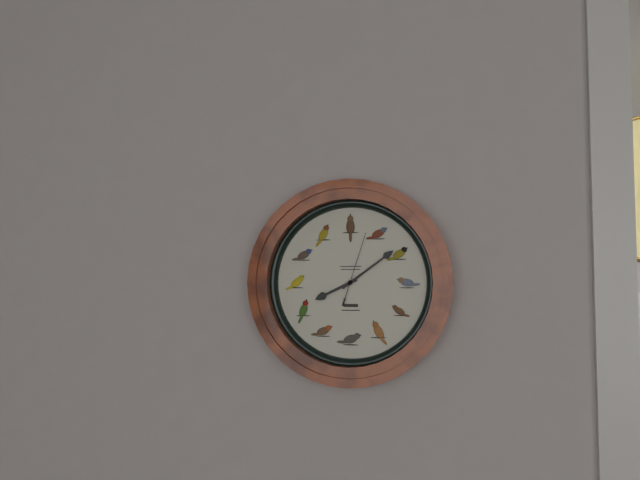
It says 8:09:03
